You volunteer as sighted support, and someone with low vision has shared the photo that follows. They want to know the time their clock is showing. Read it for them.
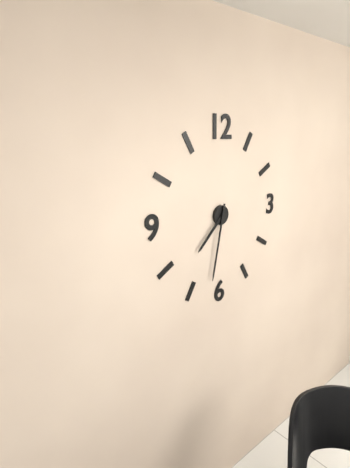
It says 7:32
